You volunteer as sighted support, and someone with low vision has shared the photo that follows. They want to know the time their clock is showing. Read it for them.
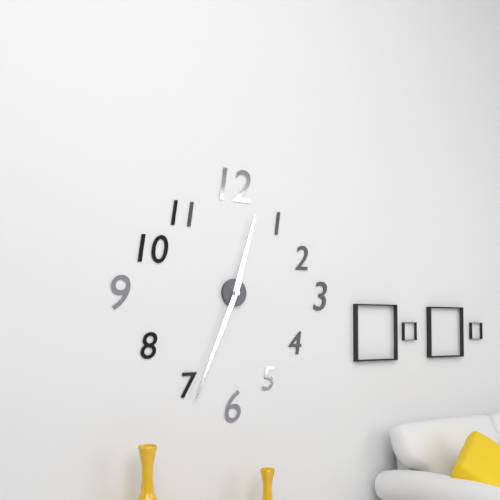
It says 12:34
